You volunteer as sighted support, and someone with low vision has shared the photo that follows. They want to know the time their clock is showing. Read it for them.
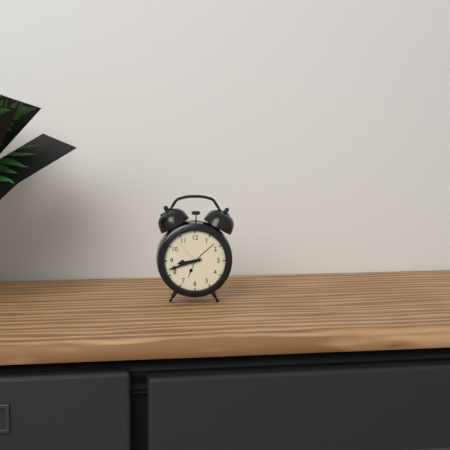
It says 8:42
